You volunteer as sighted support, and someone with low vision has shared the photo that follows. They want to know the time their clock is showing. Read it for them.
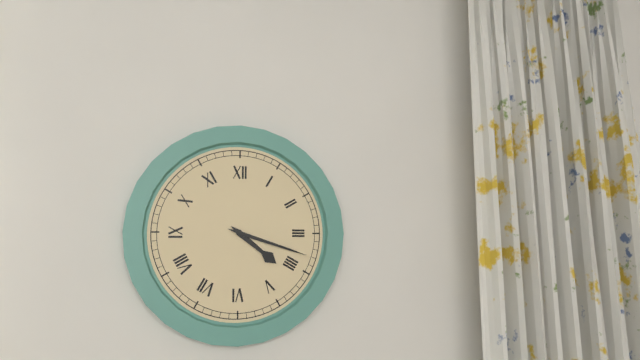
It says 4:18
